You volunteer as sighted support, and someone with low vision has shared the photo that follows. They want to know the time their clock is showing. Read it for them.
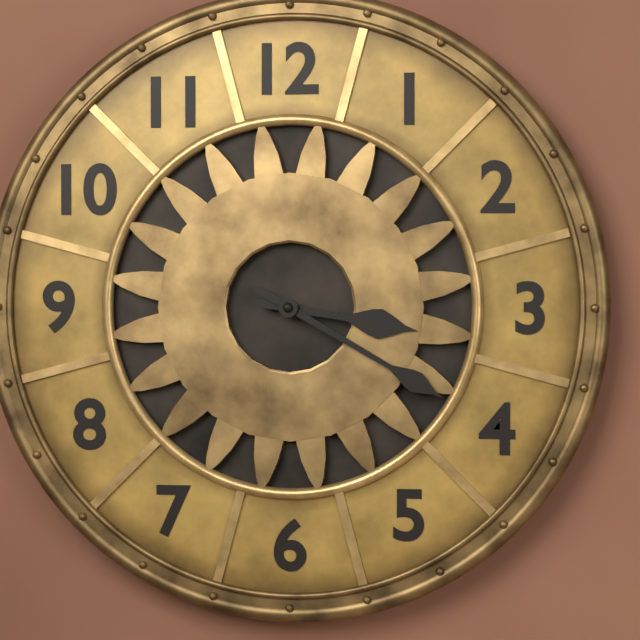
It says 3:20
